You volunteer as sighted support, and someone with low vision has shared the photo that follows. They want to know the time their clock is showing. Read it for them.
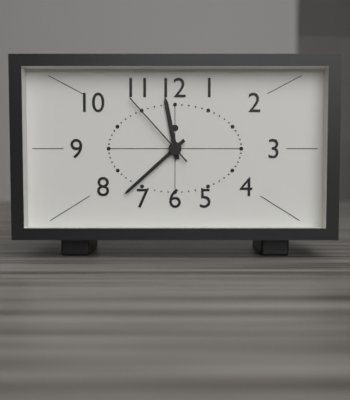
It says 11:38:53
